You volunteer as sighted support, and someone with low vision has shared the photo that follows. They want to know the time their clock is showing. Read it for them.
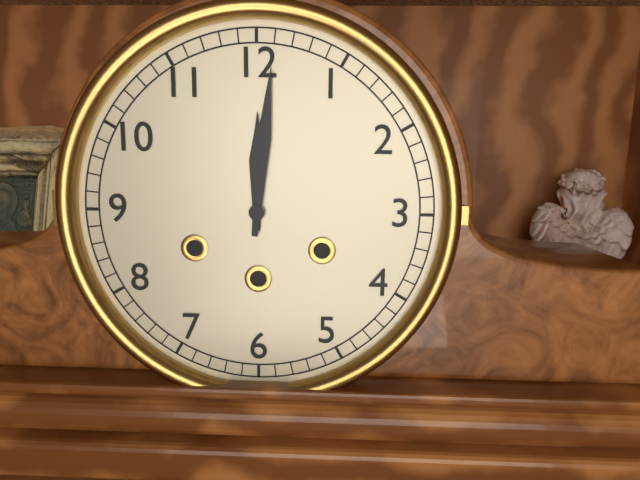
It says 12:01
